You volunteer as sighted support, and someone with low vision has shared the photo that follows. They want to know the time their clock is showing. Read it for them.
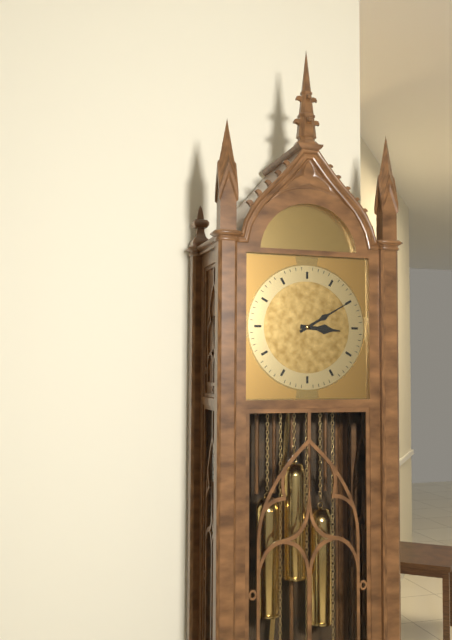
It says 3:10
